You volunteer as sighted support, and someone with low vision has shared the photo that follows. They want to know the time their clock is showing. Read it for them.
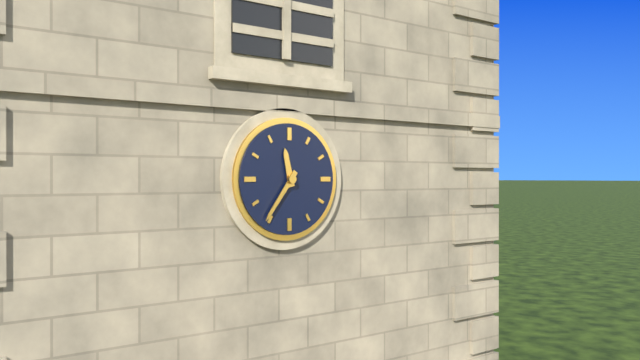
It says 11:36
